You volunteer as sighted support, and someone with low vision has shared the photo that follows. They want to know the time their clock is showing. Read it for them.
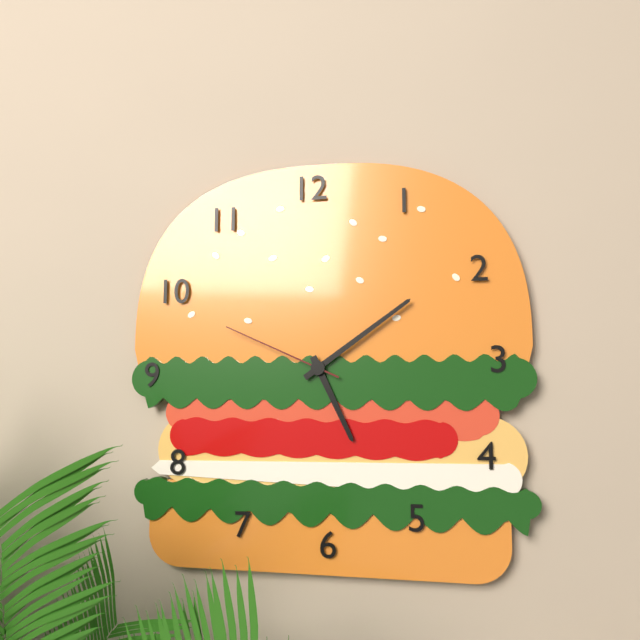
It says 5:09:49
